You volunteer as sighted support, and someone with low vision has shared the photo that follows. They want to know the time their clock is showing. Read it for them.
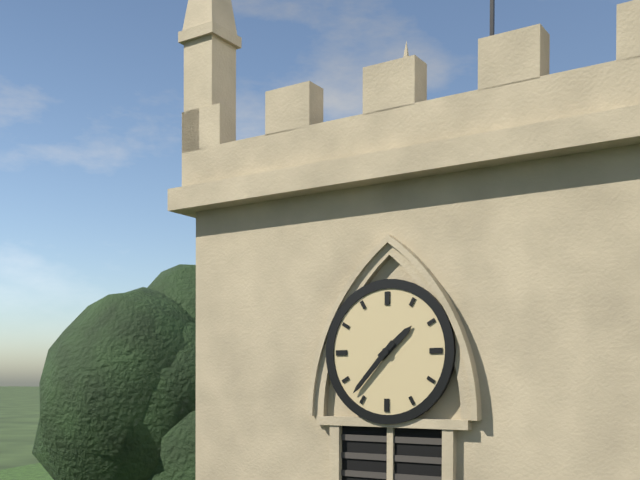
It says 1:37
